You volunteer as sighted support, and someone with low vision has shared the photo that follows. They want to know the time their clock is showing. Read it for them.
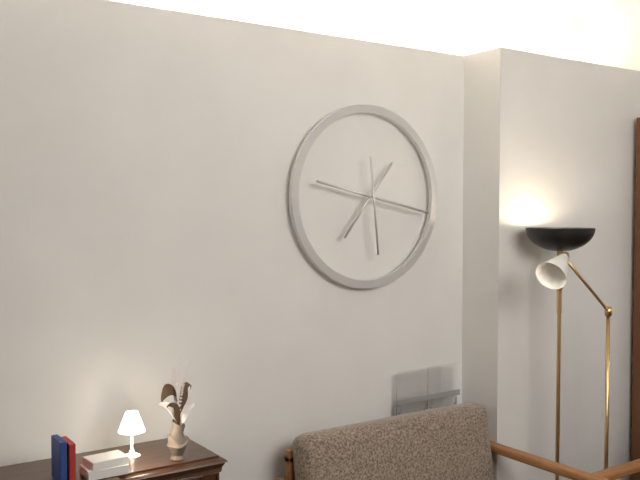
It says 7:17:29
